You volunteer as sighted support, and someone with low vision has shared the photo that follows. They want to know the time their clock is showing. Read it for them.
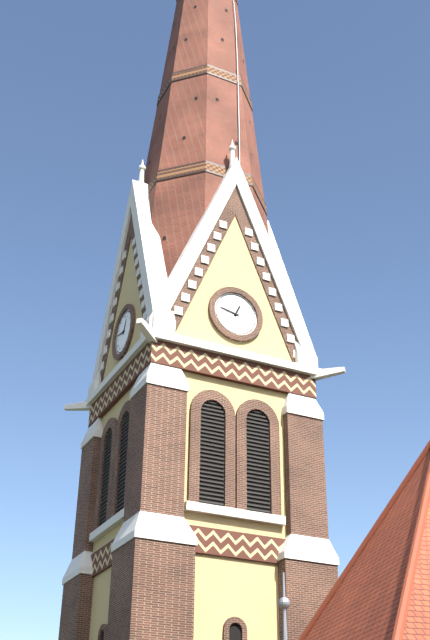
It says 12:47
